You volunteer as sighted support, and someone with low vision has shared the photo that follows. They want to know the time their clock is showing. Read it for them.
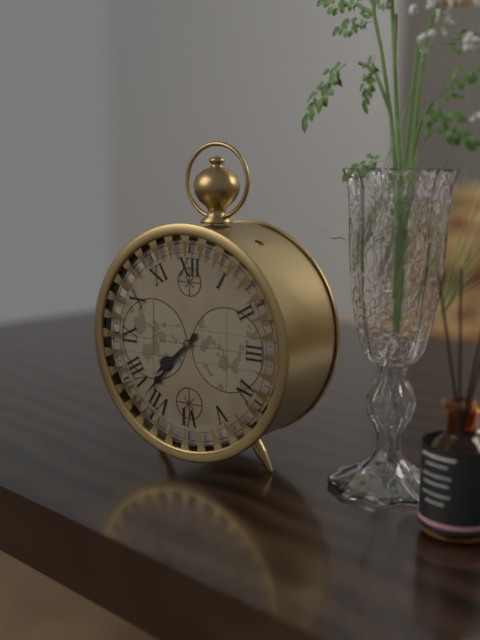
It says 7:37
